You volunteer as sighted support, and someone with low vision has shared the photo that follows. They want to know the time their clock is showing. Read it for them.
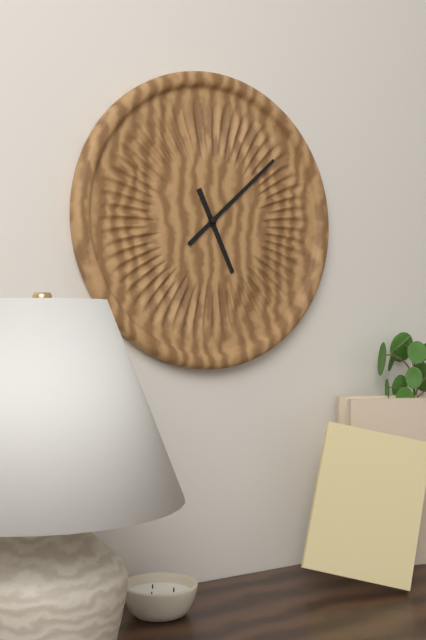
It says 5:08
